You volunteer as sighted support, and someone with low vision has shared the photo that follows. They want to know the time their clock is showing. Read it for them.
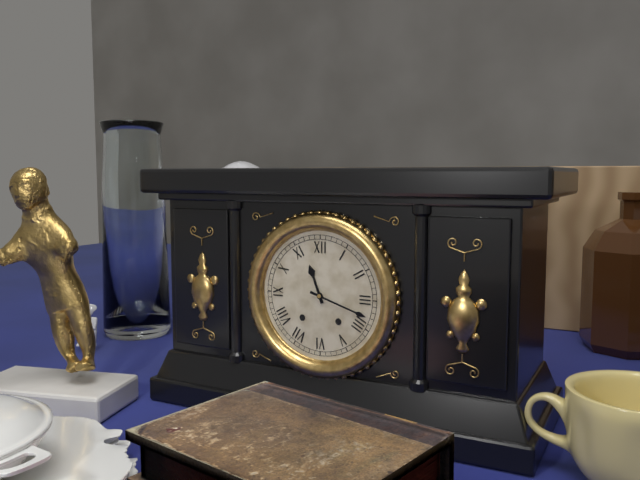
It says 11:18
